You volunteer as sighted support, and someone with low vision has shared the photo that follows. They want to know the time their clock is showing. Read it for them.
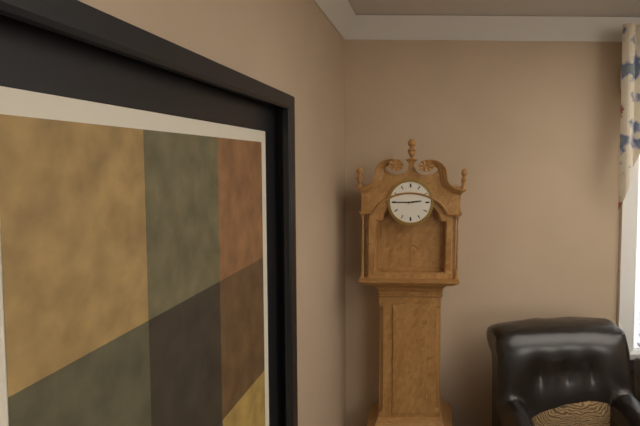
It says 2:45
